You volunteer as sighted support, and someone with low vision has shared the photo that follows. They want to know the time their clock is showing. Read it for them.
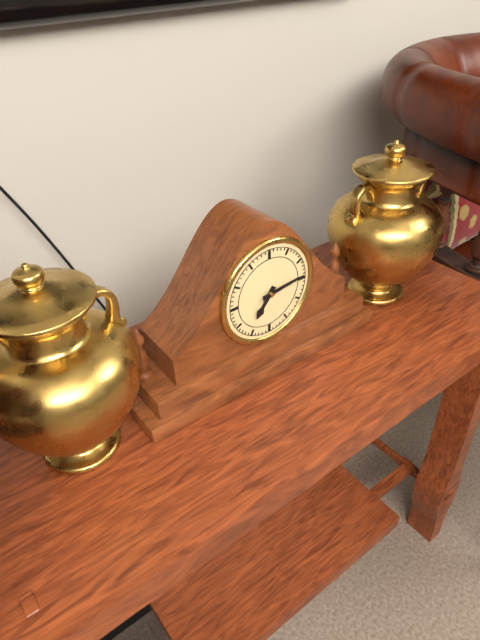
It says 7:14
